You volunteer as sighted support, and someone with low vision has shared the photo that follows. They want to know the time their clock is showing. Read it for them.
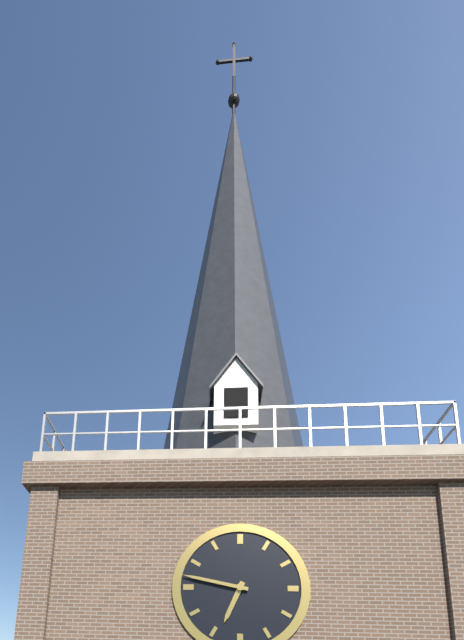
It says 6:47
